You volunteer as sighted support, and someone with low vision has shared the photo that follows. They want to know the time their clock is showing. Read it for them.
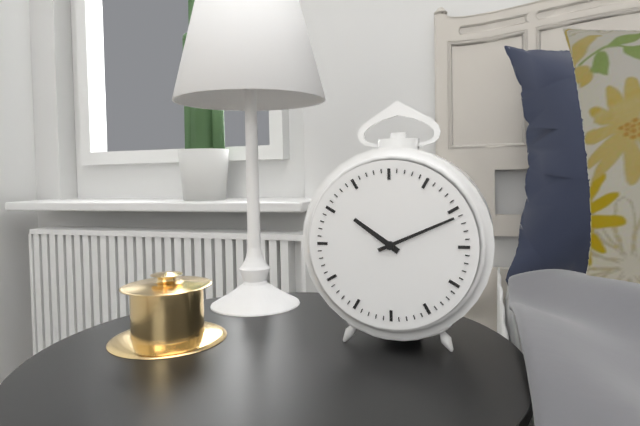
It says 10:11
